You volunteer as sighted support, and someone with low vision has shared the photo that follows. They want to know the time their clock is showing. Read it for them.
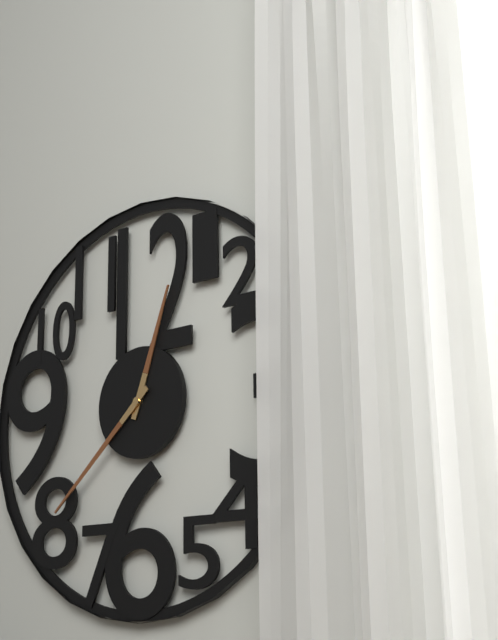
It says 12:38
